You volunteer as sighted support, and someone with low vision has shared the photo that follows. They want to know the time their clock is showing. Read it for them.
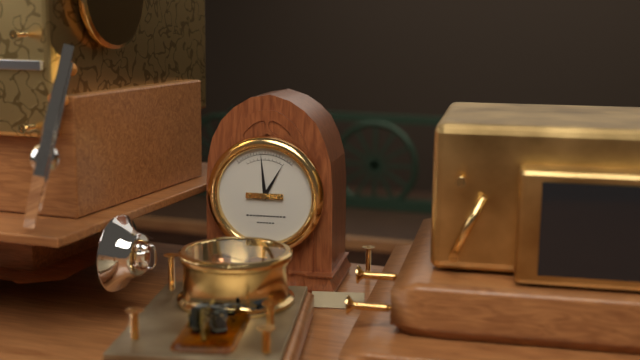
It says 12:59
